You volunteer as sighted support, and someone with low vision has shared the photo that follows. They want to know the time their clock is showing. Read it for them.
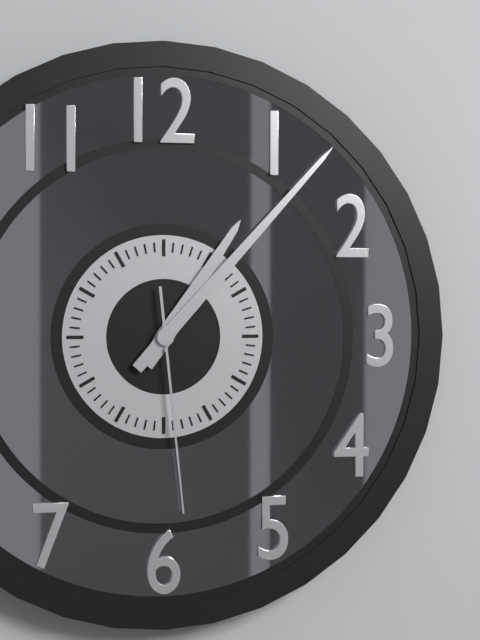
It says 1:07:29
